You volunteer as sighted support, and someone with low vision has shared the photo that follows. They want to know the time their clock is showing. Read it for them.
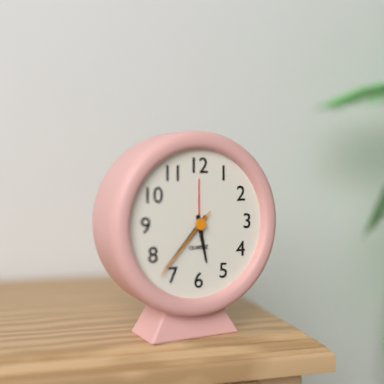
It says 5:37:37
